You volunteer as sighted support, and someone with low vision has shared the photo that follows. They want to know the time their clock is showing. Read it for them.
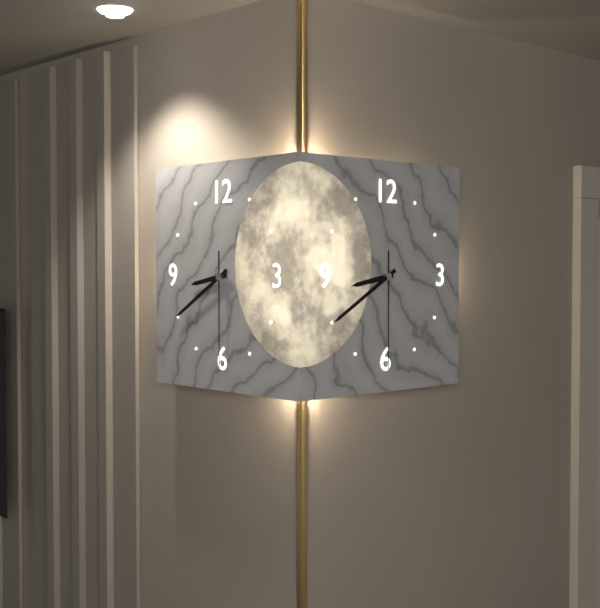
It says 8:40:30
